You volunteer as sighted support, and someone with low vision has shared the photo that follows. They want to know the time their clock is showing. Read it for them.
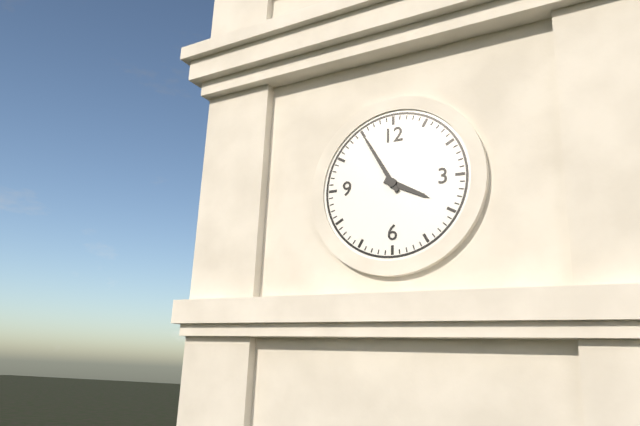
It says 3:55
